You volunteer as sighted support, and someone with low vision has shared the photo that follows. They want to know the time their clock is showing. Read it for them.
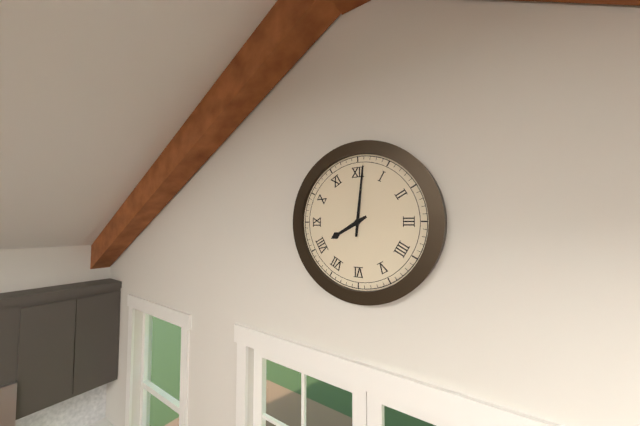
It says 8:01
